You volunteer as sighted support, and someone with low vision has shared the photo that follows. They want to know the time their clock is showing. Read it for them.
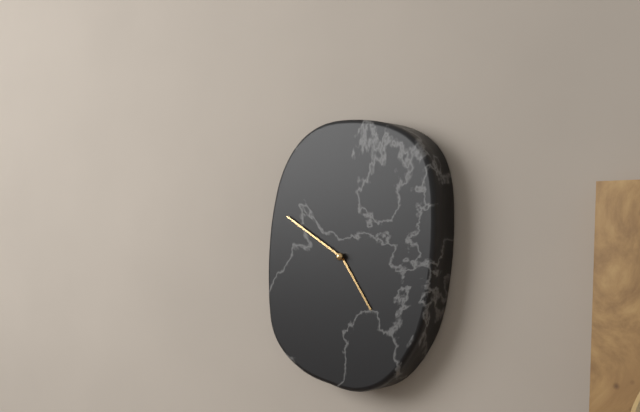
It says 4:50
